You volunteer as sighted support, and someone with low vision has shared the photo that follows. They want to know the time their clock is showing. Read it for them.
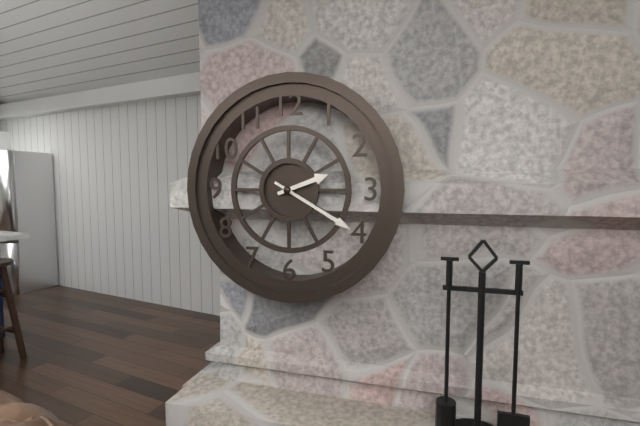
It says 2:20
